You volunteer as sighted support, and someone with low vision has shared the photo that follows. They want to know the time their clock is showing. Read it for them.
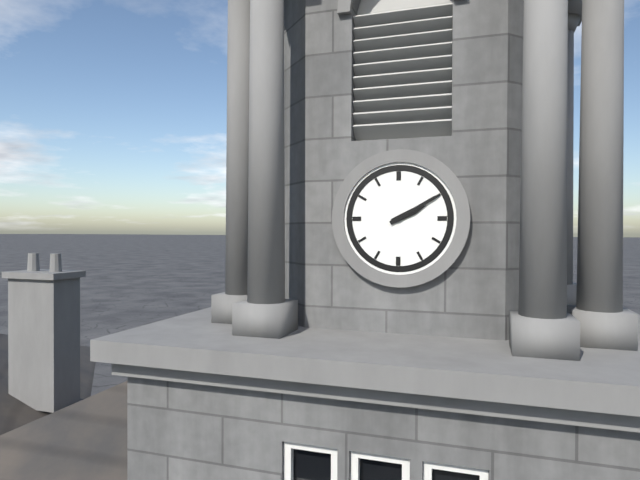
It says 2:10
